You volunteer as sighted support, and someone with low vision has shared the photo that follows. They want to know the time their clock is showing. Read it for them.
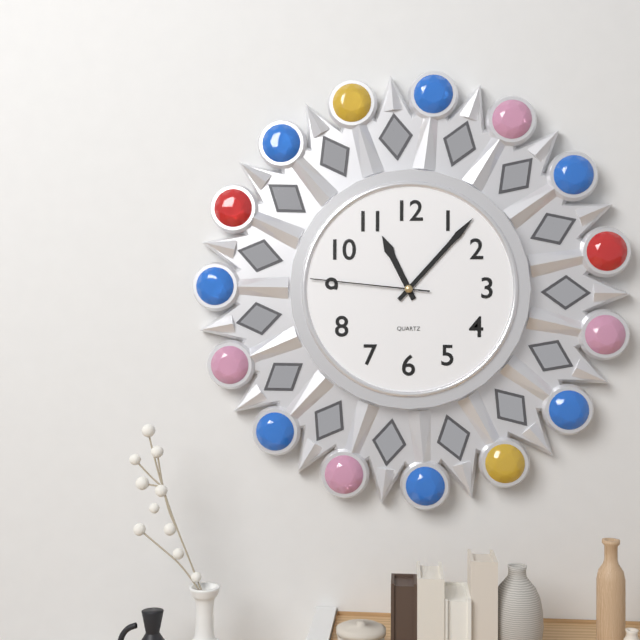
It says 11:07:46
